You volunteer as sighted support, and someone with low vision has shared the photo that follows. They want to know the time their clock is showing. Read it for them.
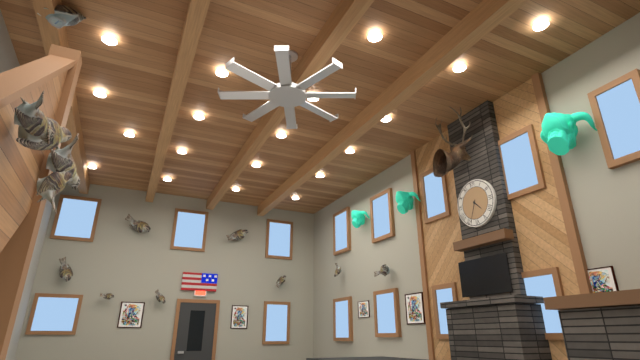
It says 4:34
